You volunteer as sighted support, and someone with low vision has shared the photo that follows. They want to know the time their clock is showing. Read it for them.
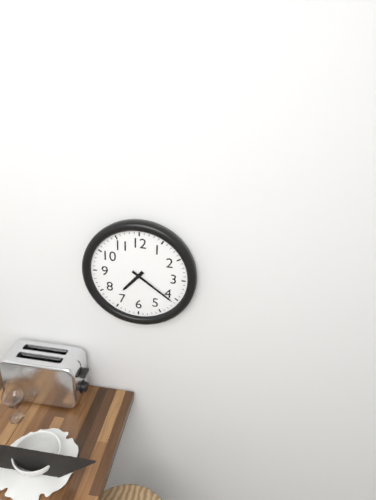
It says 7:21
